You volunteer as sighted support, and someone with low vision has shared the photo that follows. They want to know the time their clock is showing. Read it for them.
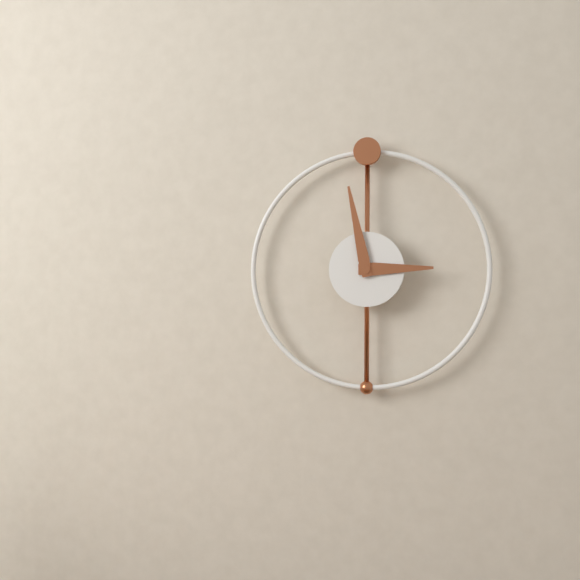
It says 2:58
